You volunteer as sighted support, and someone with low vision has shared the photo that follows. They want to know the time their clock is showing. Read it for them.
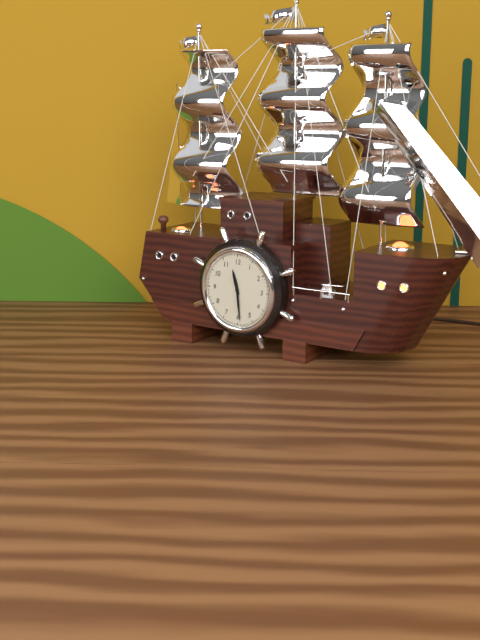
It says 11:29
